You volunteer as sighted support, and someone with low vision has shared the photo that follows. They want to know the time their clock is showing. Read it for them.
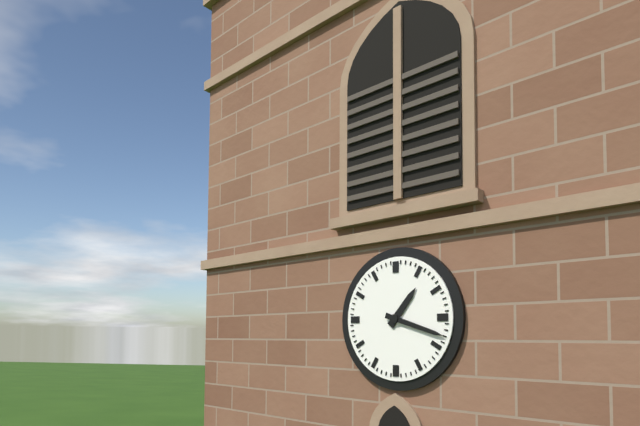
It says 1:18
